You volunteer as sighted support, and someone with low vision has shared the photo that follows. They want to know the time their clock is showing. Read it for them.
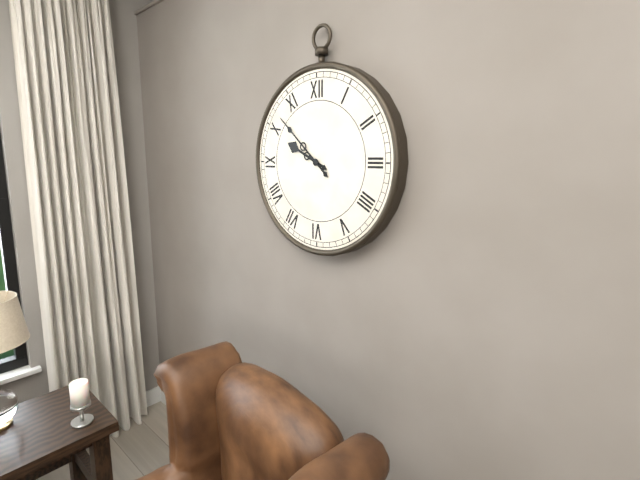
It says 9:52
